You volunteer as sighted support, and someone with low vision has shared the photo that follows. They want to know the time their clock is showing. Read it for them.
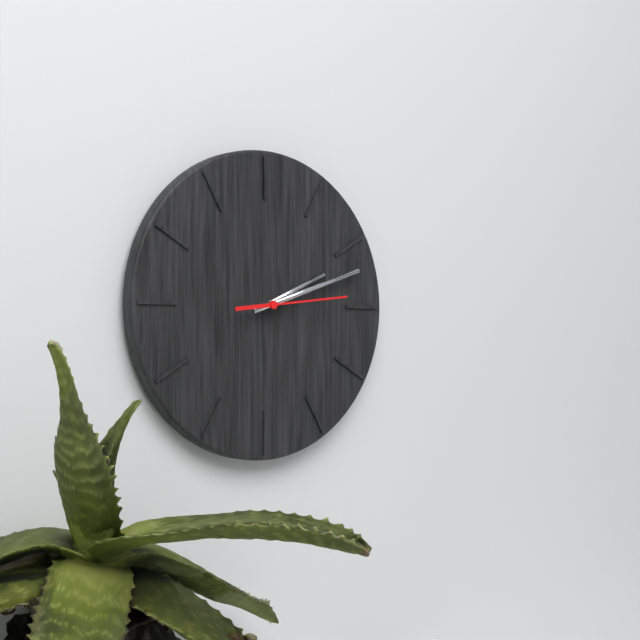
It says 2:12:14
